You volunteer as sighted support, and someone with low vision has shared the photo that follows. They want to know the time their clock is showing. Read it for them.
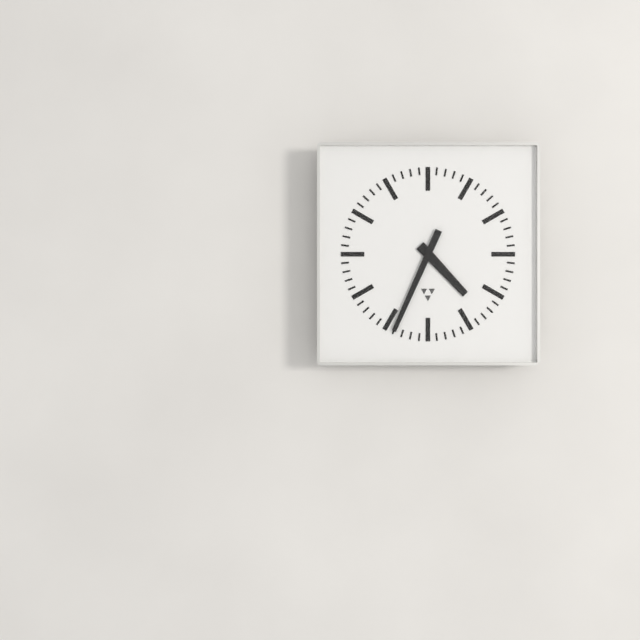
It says 4:34
